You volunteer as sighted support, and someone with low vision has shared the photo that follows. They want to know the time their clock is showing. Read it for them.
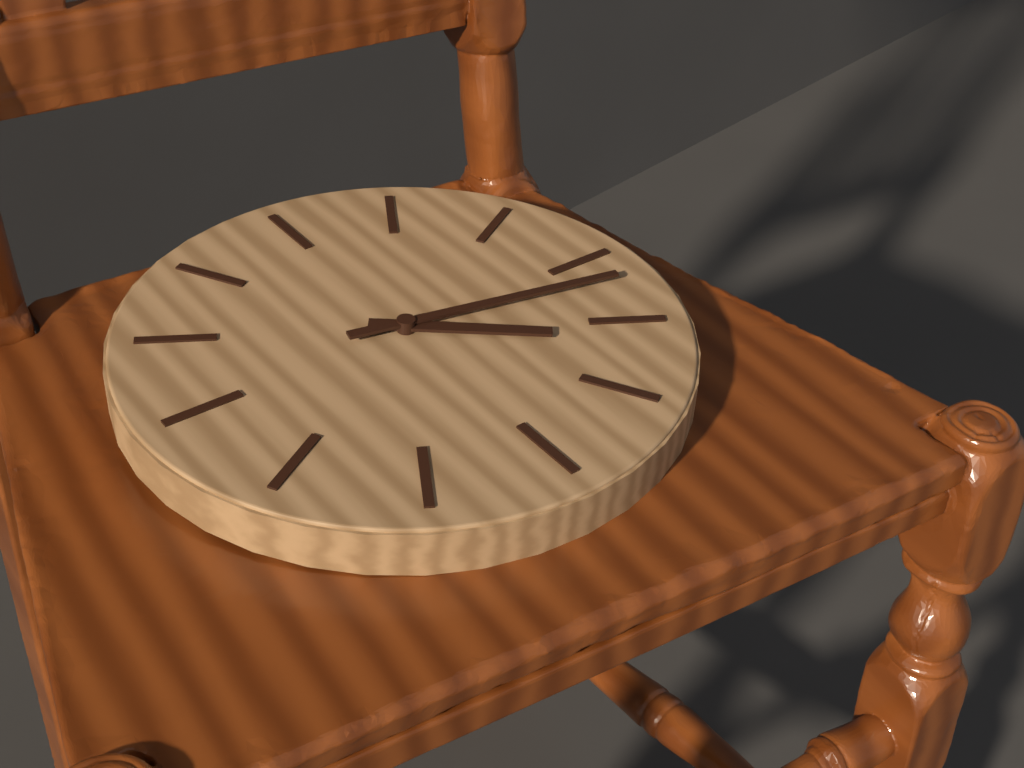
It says 4:17
